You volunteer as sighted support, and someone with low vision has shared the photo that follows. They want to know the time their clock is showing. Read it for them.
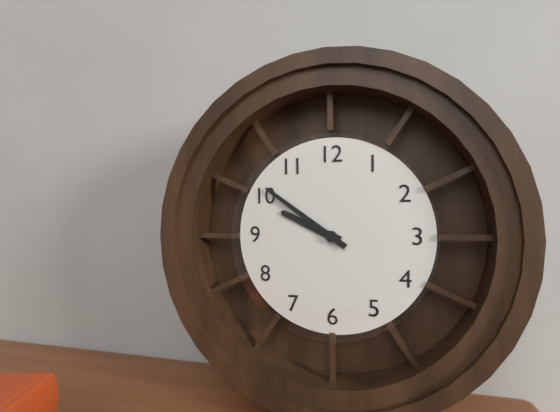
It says 9:51
